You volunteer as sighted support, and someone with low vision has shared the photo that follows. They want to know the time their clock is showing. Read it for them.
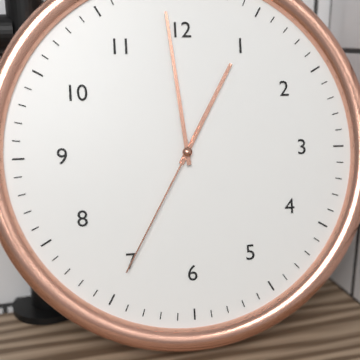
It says 12:59:35
